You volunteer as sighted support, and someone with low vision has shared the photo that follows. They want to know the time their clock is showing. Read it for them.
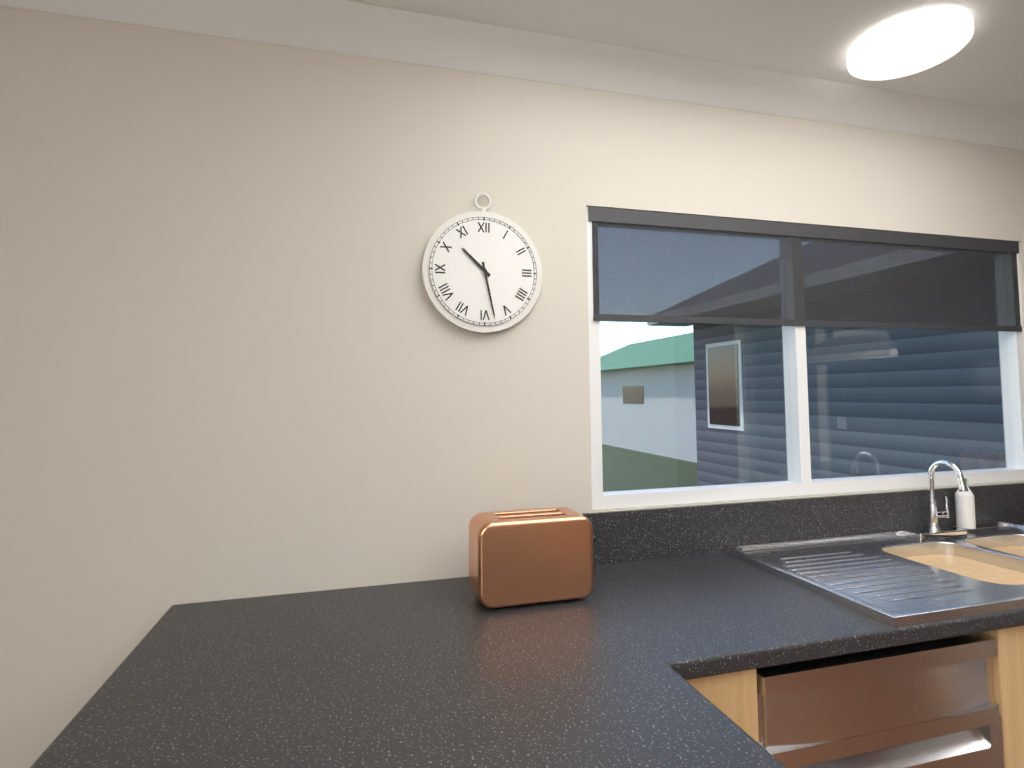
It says 10:28
